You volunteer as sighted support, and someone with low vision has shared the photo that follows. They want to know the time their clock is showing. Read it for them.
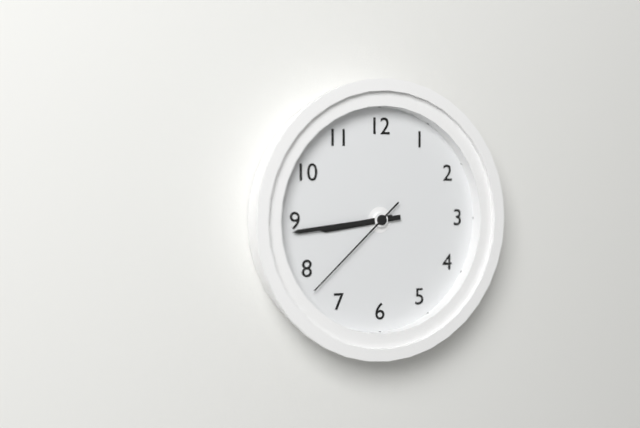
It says 8:44:38
